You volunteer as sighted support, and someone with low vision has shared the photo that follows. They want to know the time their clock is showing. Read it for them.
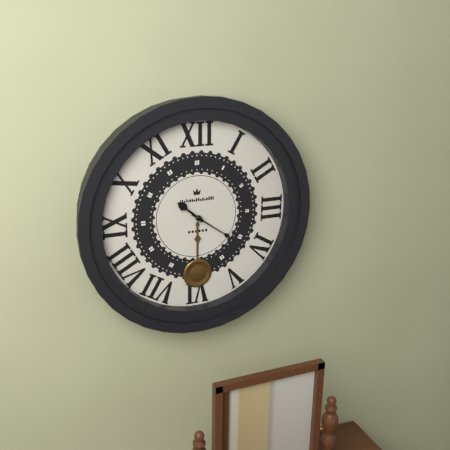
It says 10:21
